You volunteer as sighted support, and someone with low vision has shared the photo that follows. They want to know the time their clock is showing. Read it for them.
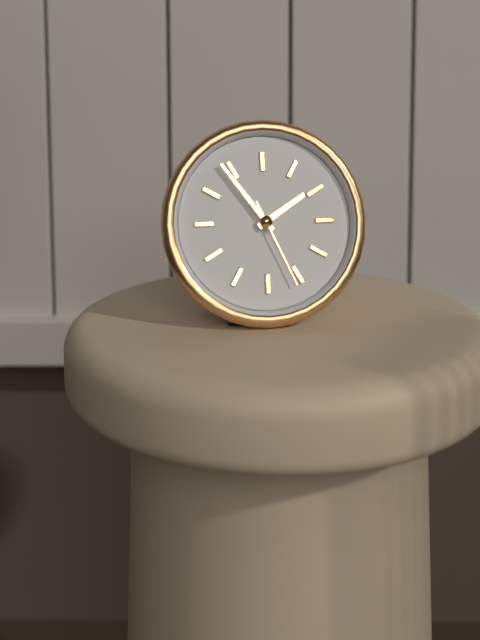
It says 1:54:26
